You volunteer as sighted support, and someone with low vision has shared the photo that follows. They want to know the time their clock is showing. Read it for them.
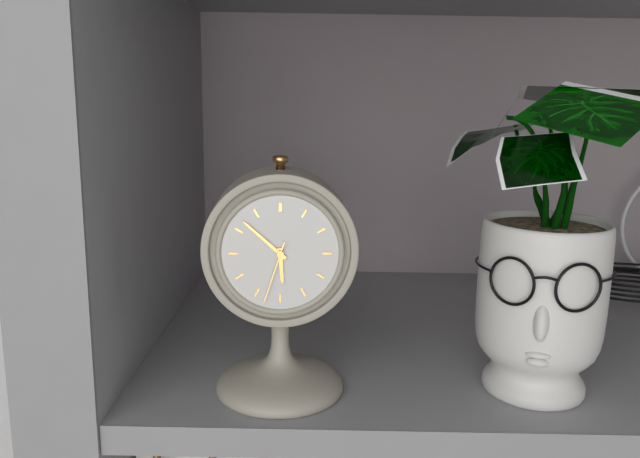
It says 5:52:33
